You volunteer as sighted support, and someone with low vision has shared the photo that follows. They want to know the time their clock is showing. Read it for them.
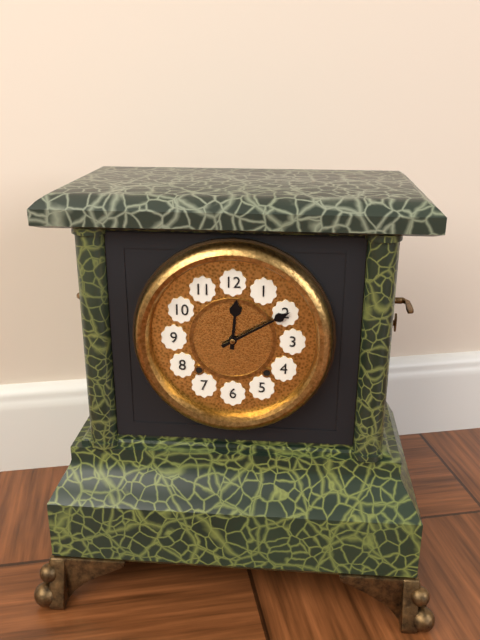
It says 12:10
